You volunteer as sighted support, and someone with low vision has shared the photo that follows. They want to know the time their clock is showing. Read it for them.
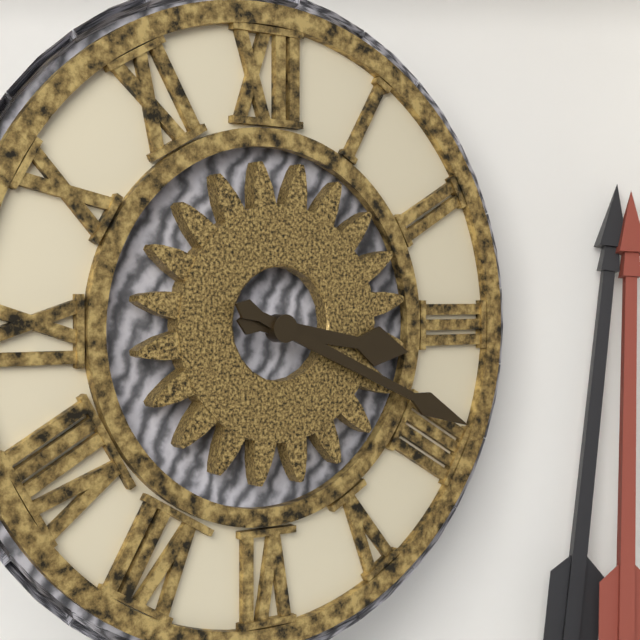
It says 3:19
